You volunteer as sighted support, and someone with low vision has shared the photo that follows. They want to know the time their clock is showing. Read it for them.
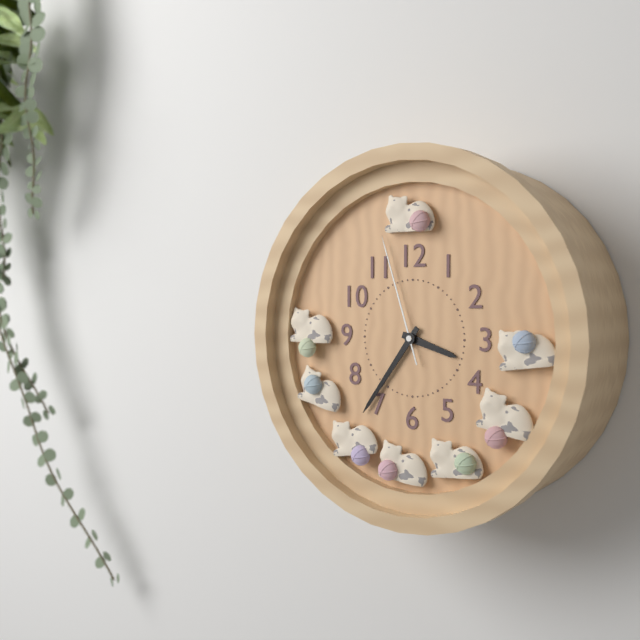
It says 3:36:57
